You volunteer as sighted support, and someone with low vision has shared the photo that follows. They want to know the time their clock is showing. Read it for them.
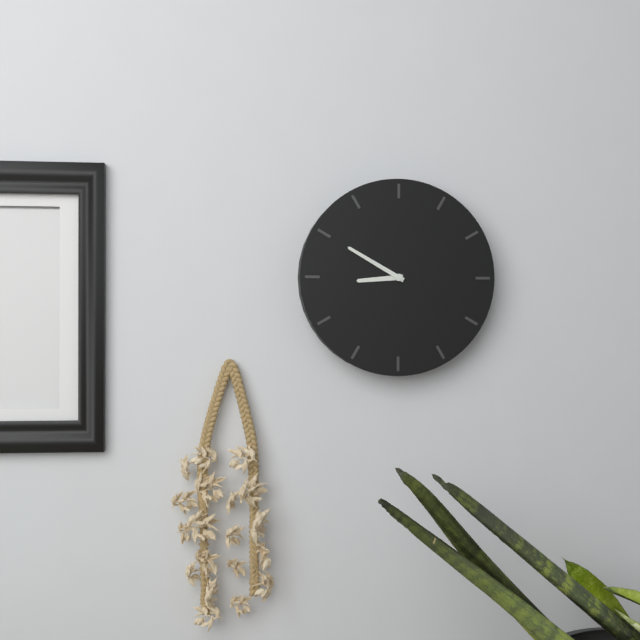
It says 8:50
